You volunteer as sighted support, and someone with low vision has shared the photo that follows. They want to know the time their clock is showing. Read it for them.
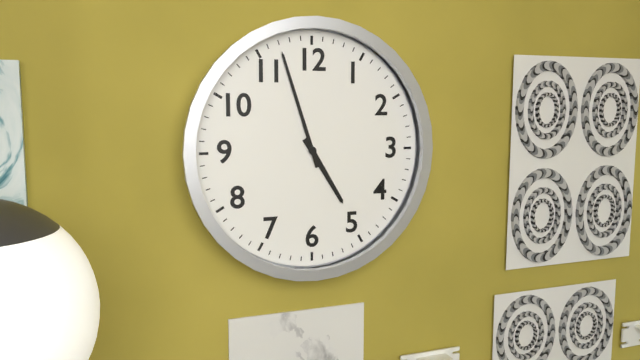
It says 4:57
